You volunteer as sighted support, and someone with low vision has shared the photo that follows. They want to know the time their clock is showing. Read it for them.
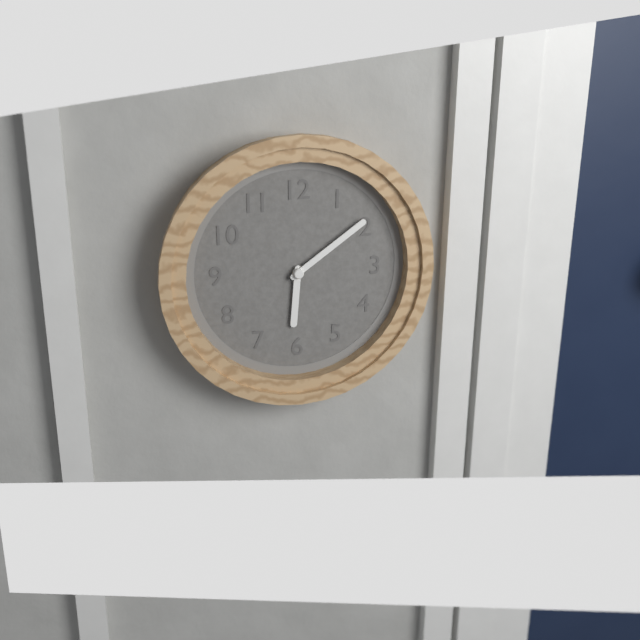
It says 6:09
